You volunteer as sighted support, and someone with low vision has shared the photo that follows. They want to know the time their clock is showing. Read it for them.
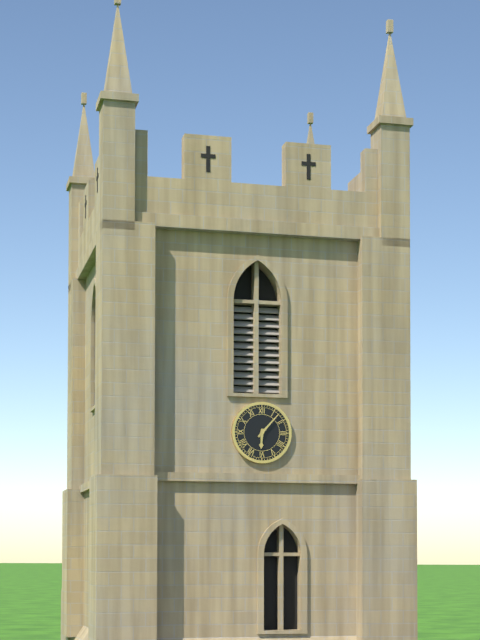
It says 6:07
